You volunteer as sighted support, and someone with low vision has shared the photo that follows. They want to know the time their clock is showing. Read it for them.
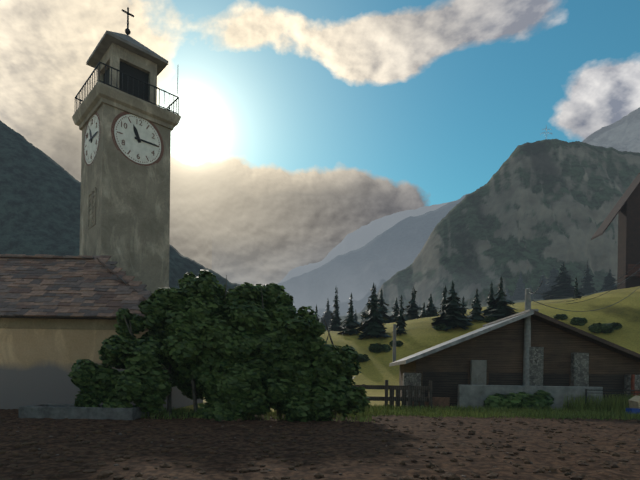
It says 11:15
